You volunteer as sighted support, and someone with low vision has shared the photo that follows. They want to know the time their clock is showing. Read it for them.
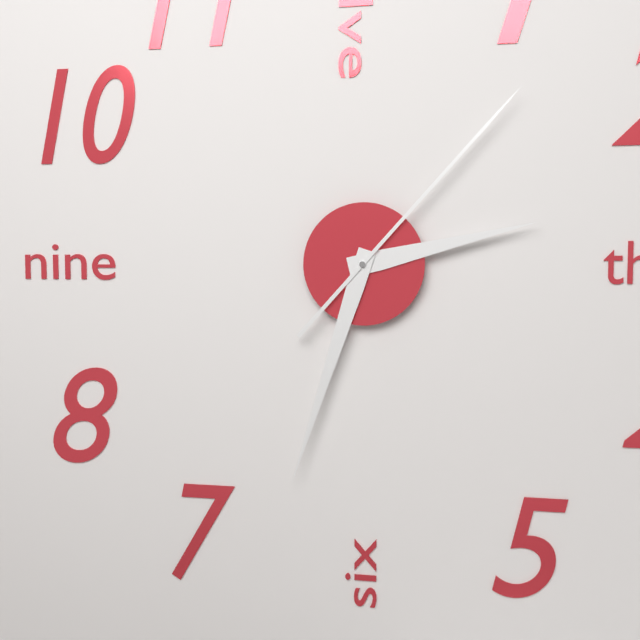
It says 2:33:07
